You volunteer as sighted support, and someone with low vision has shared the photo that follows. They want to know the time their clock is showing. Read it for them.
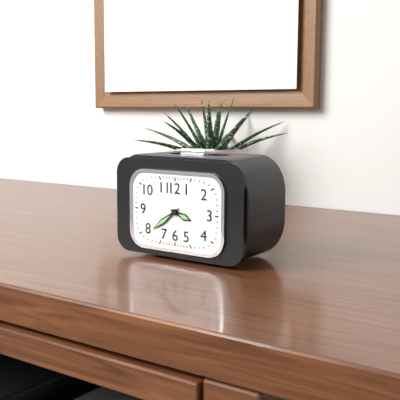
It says 3:39
